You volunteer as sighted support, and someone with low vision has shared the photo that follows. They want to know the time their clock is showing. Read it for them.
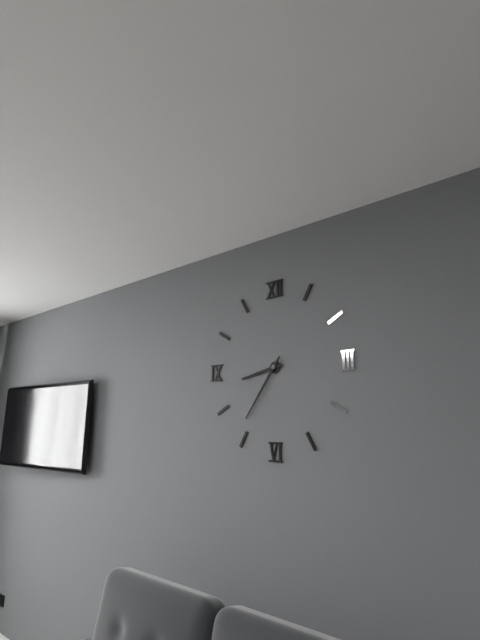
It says 8:36
